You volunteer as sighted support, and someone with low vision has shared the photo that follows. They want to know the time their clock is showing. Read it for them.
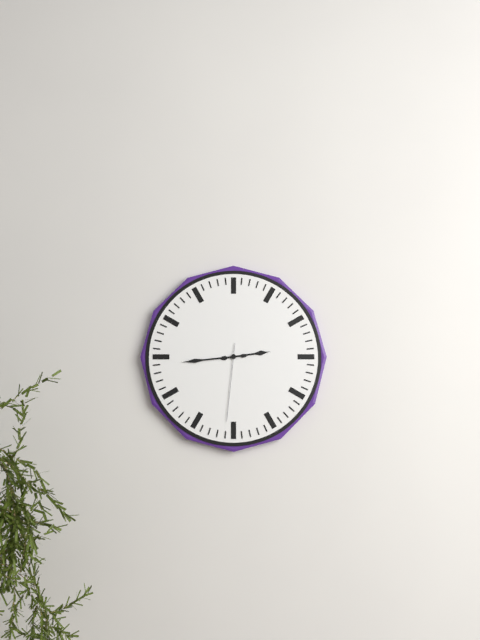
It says 2:44:31
